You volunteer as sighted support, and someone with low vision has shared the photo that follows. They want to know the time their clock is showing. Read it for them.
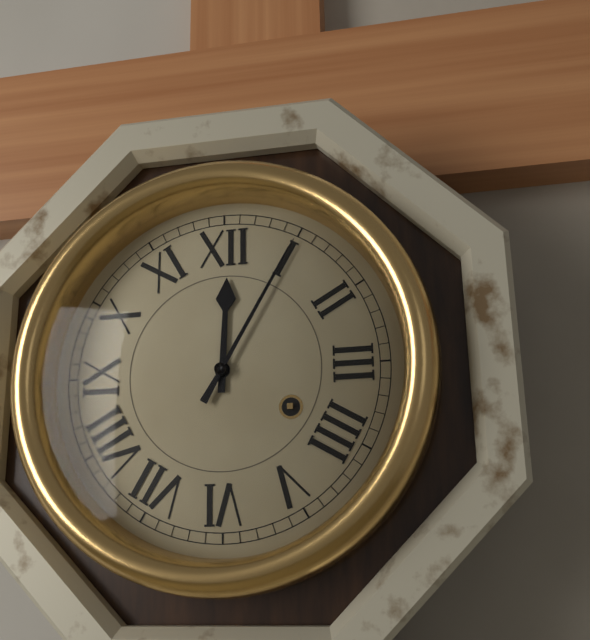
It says 12:05
